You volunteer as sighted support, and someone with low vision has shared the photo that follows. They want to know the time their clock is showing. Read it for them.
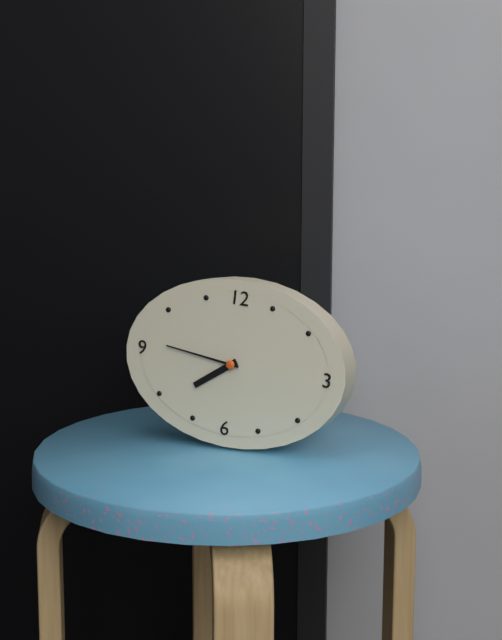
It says 7:46
